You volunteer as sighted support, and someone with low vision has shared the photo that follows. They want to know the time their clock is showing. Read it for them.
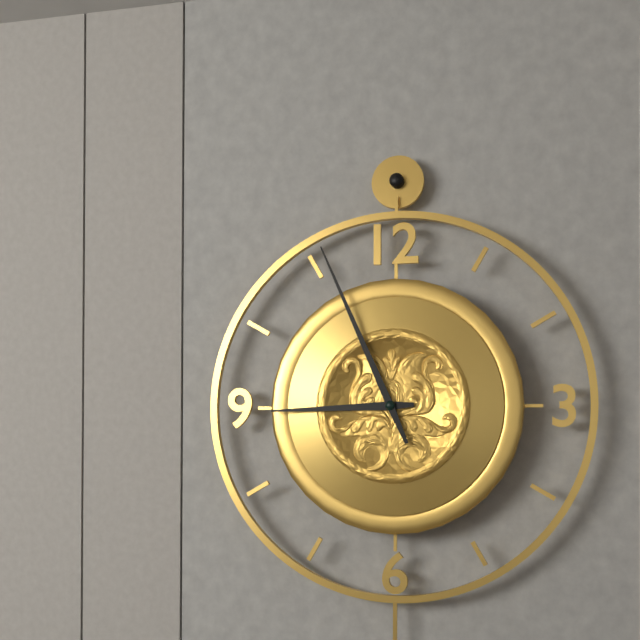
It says 8:56
